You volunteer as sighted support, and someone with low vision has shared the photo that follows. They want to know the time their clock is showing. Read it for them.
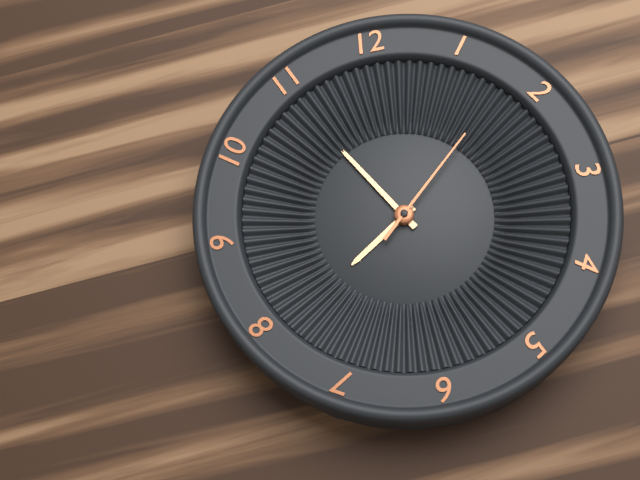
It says 7:55:08
